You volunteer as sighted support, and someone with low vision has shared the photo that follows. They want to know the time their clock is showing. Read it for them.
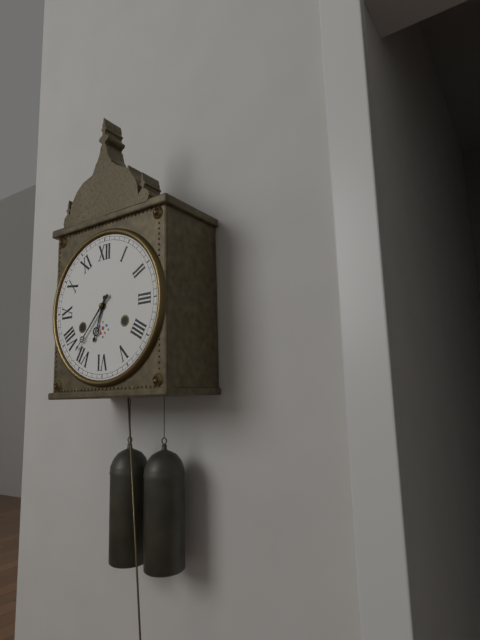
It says 6:37
